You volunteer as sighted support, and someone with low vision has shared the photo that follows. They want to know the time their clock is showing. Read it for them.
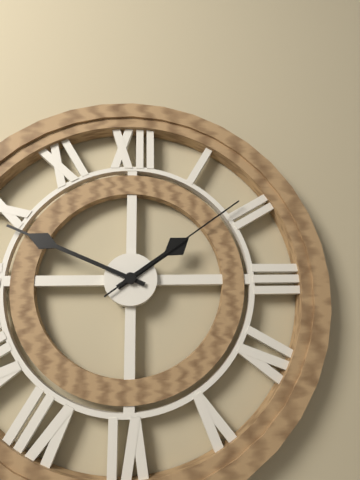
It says 1:49:09
